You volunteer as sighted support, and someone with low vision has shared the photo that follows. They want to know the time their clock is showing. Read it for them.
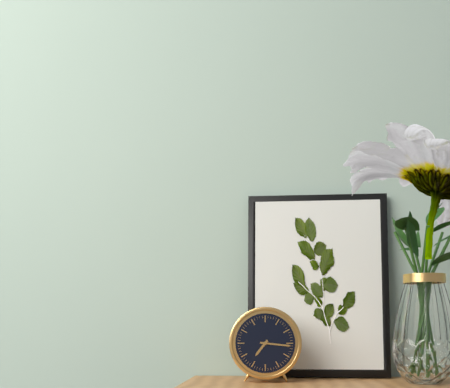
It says 7:16
